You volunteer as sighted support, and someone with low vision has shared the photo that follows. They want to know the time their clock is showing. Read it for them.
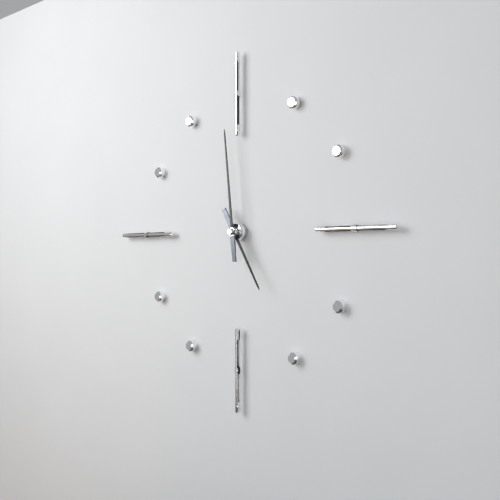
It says 4:59
